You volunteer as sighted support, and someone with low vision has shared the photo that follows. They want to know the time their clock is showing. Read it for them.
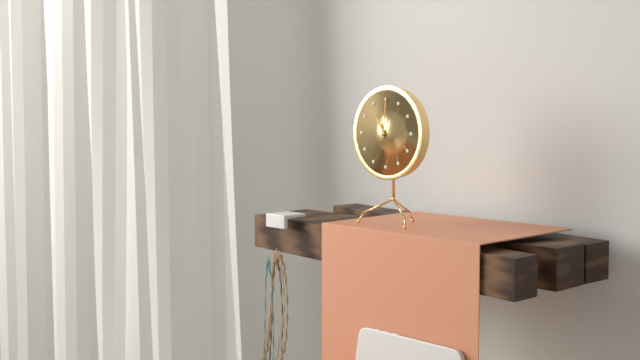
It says 11:01
